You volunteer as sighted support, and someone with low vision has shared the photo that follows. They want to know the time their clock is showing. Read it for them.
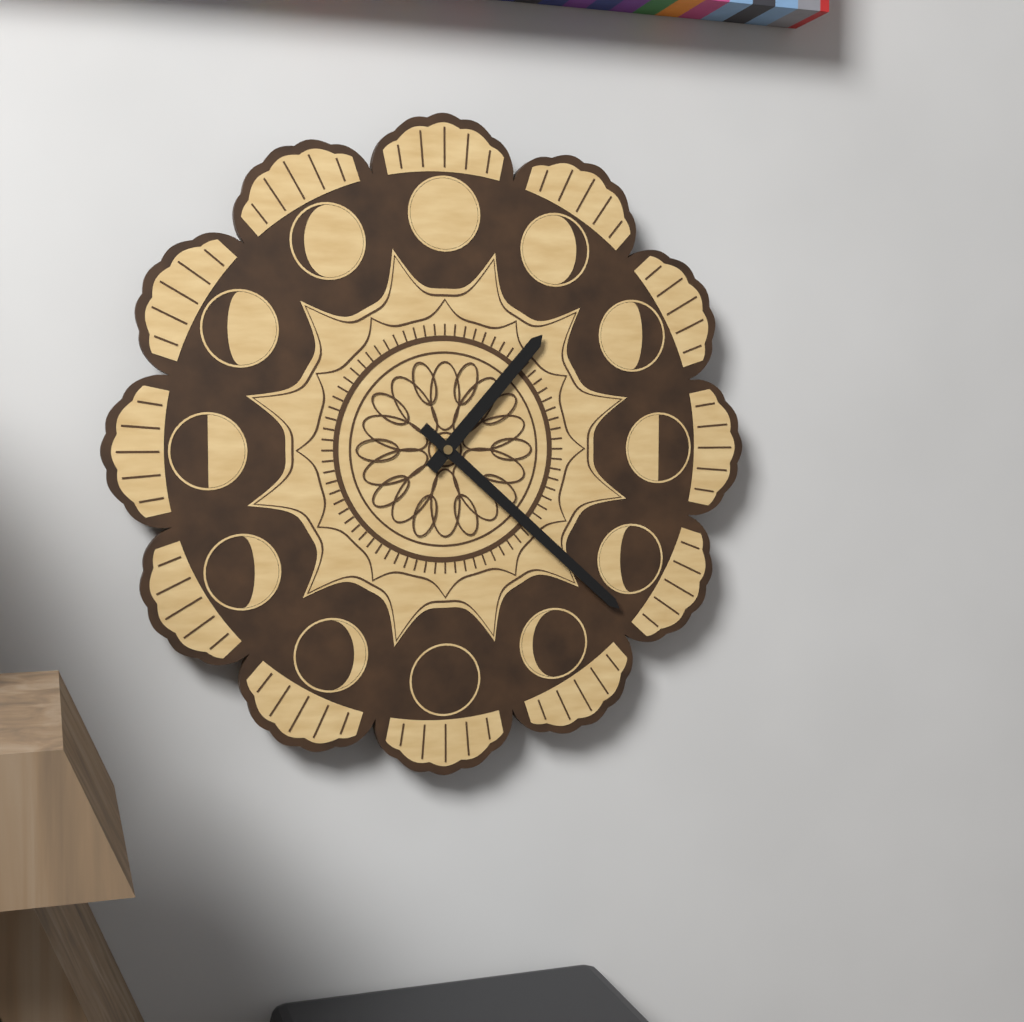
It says 1:22
